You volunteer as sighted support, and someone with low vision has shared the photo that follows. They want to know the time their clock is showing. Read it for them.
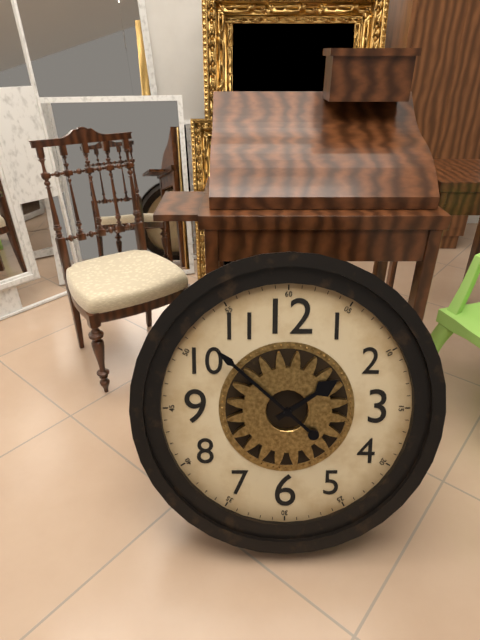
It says 1:52
